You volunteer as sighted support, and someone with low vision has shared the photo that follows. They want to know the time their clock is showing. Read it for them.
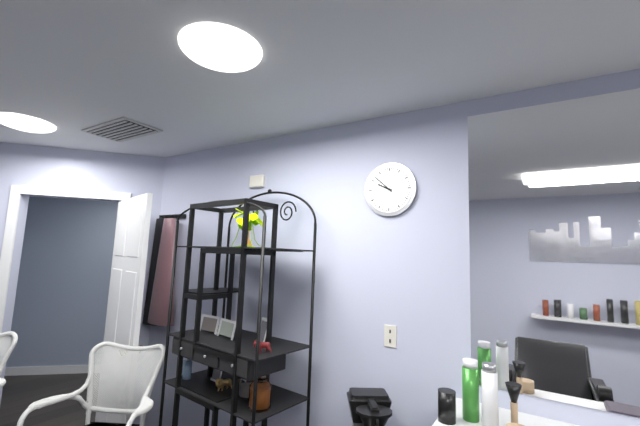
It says 9:52
